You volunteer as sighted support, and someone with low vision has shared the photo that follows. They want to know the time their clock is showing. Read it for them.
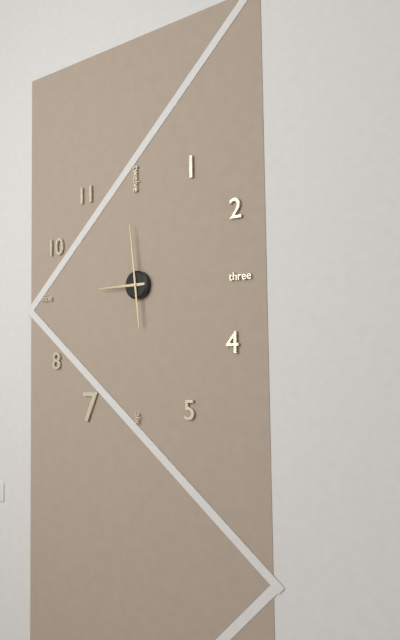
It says 8:59
